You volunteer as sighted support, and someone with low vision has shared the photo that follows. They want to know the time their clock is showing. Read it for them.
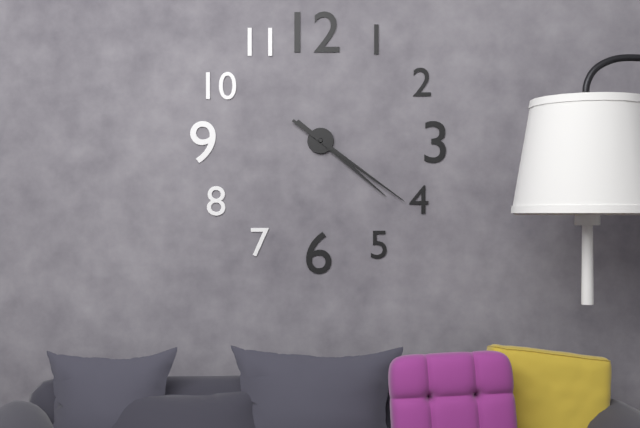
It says 4:21
